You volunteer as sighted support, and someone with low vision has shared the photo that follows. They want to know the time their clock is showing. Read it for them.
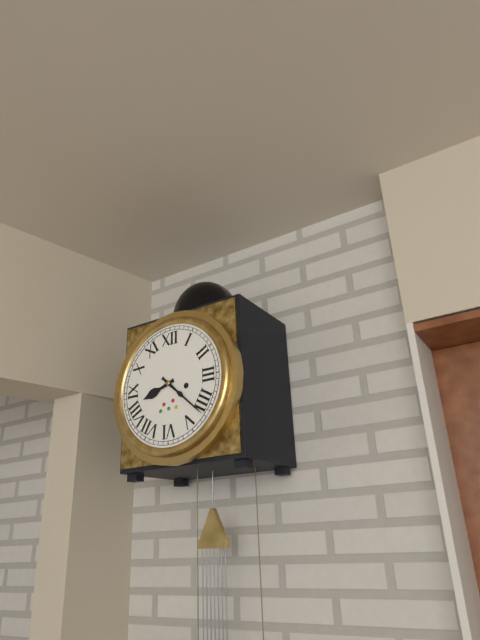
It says 8:22
